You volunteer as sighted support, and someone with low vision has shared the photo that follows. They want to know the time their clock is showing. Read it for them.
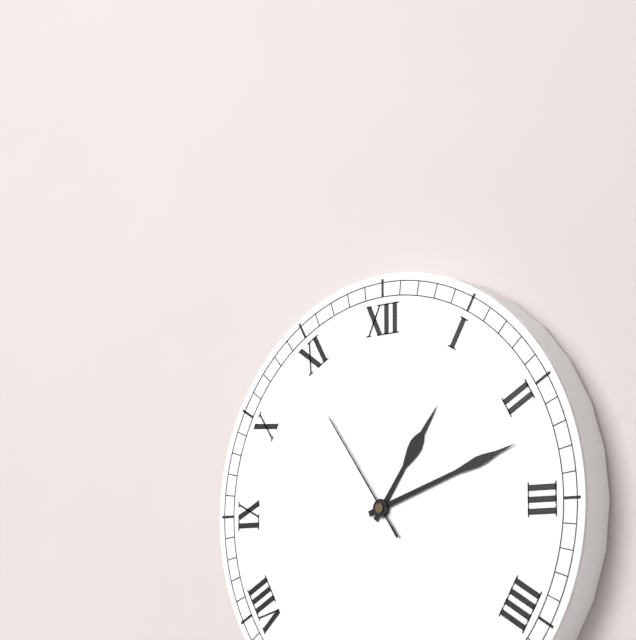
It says 1:12:54
